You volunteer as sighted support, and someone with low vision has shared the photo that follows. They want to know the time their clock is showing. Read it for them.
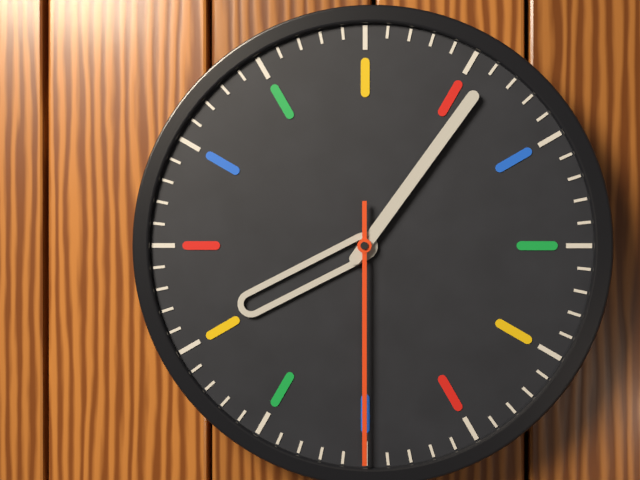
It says 8:06:30
